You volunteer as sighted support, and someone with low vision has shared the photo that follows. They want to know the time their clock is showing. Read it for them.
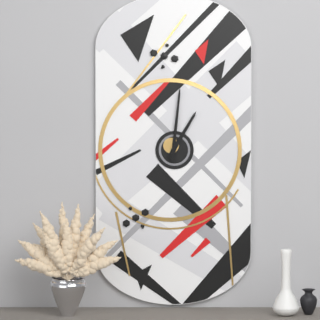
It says 1:01
